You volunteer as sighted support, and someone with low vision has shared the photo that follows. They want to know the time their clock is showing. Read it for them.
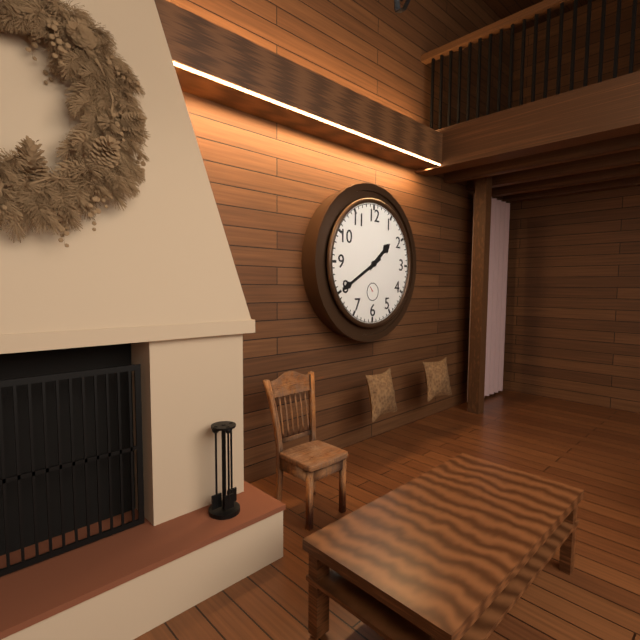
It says 1:40
